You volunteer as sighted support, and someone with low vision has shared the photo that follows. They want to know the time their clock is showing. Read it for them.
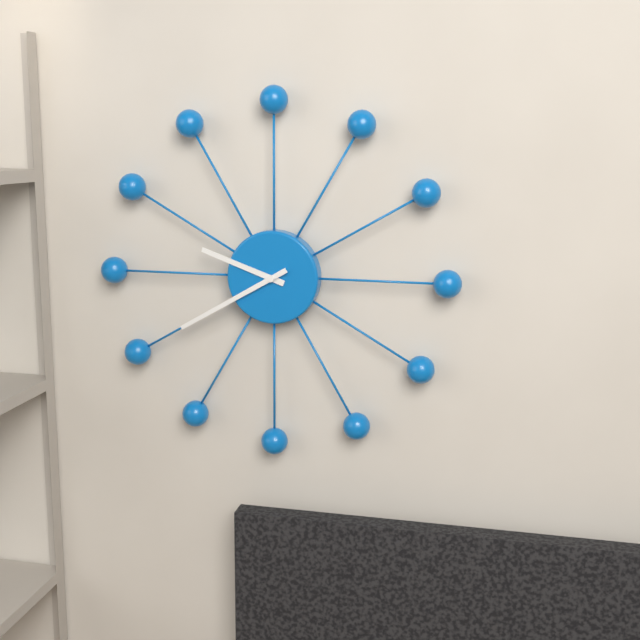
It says 9:40
